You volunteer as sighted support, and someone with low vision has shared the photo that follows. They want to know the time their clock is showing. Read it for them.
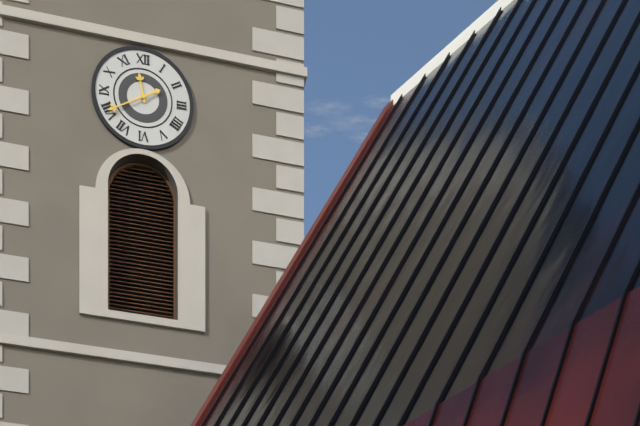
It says 11:40
